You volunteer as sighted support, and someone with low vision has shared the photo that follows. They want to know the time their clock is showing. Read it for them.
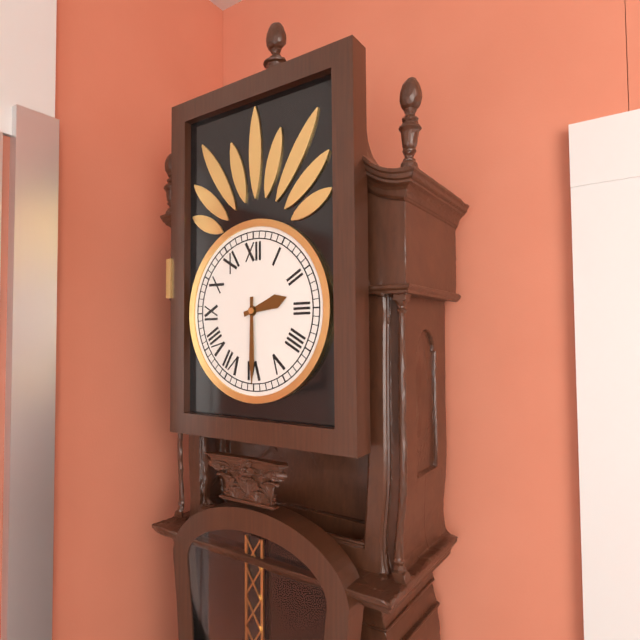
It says 2:30
